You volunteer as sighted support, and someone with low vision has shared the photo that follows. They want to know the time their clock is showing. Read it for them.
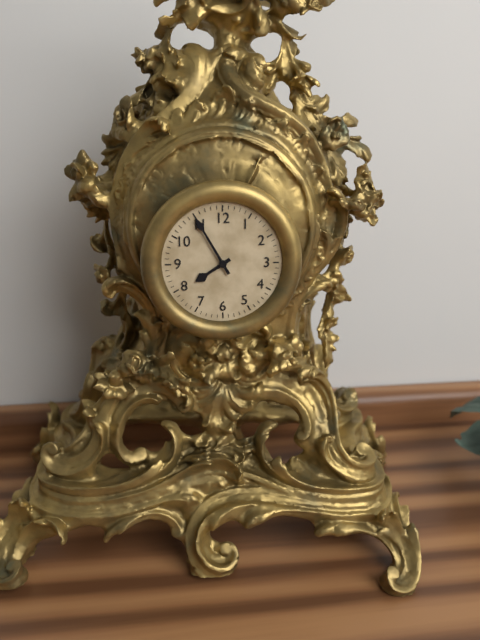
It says 7:55
